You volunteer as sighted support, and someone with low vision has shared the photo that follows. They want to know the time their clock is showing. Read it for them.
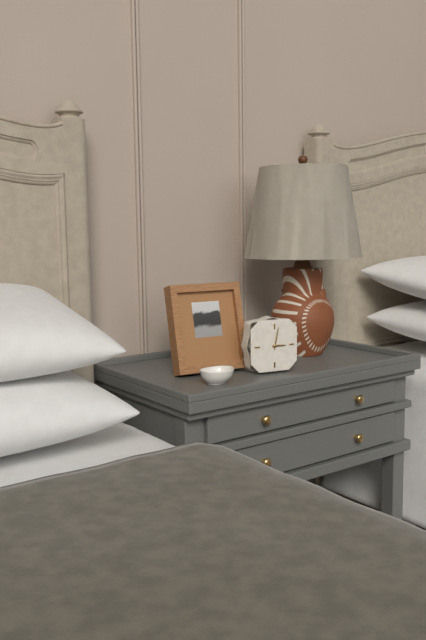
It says 3:02
